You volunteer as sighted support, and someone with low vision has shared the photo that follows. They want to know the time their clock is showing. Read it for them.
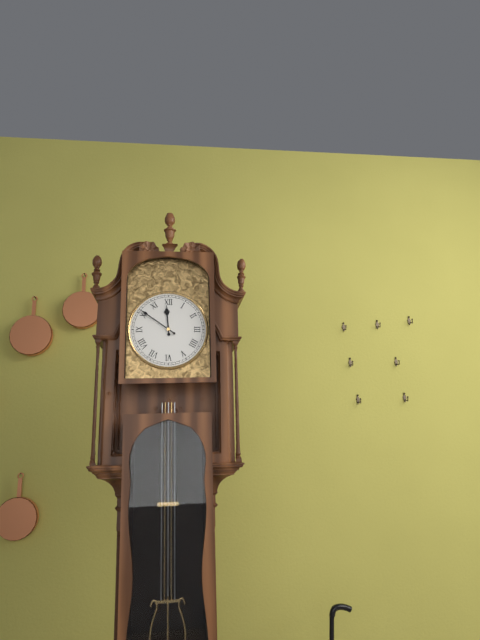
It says 11:51
